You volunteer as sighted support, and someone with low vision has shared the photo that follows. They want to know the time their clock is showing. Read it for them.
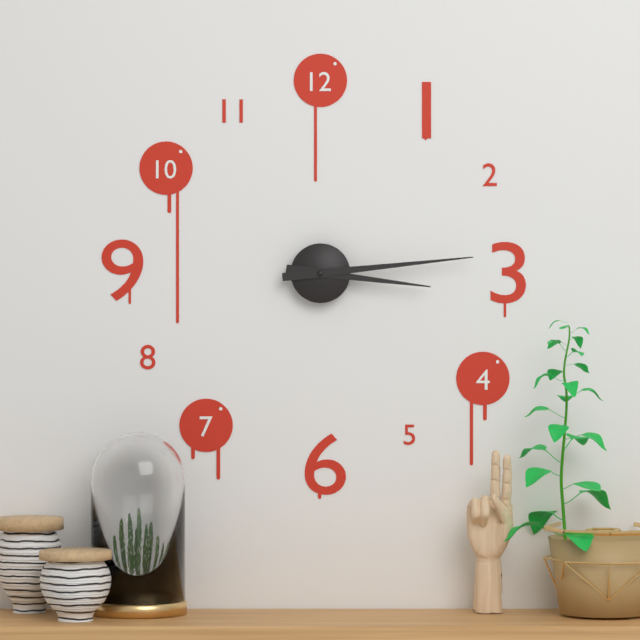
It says 3:14
